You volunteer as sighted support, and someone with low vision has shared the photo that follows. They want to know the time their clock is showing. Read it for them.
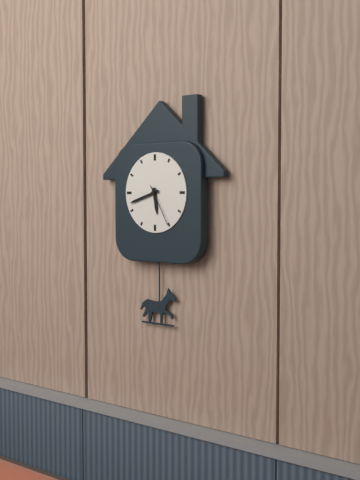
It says 5:42
